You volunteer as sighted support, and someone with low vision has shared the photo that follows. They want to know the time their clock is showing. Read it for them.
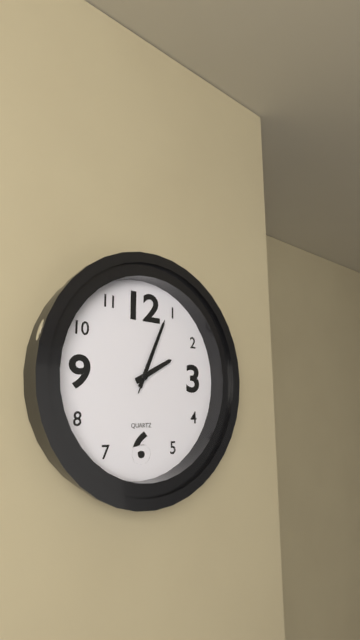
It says 2:04:04
